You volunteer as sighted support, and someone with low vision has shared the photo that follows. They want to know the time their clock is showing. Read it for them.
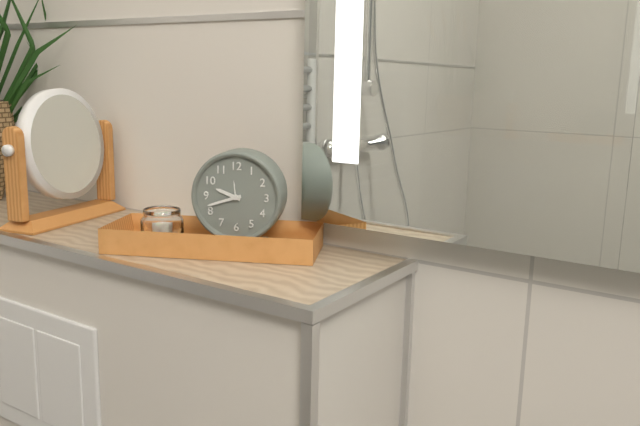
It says 9:42
